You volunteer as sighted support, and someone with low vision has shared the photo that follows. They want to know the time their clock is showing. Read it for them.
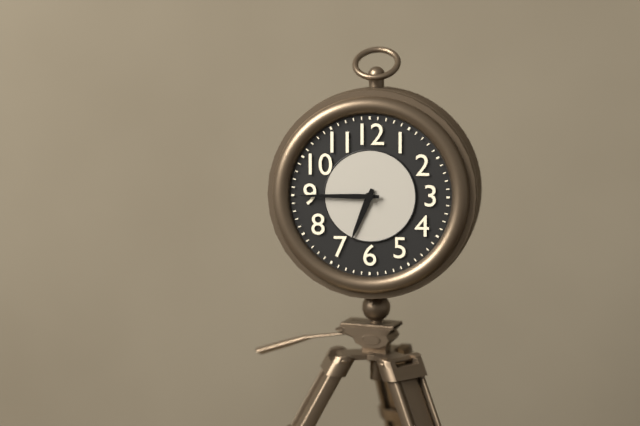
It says 6:45
